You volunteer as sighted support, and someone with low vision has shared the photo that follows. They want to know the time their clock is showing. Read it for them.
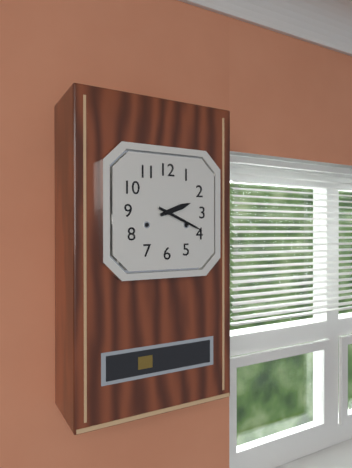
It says 2:19
